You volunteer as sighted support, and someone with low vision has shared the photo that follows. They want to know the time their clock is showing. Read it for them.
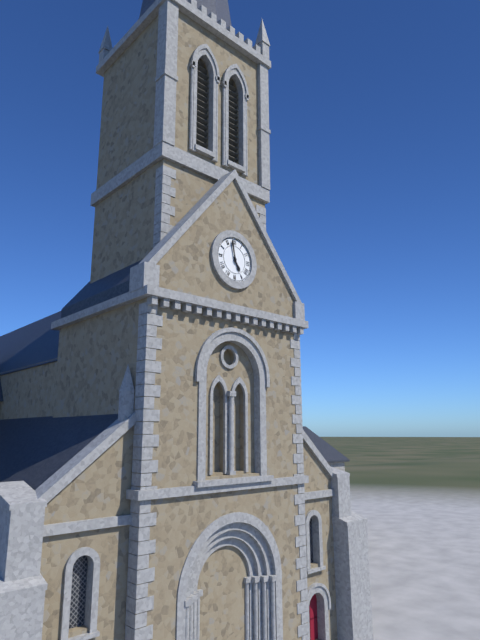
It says 4:58
